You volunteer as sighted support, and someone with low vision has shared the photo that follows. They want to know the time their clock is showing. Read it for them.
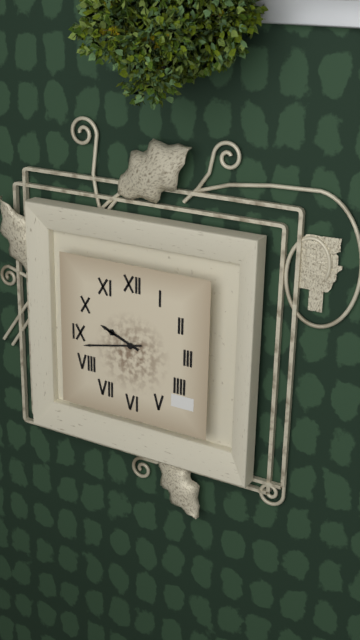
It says 9:43
